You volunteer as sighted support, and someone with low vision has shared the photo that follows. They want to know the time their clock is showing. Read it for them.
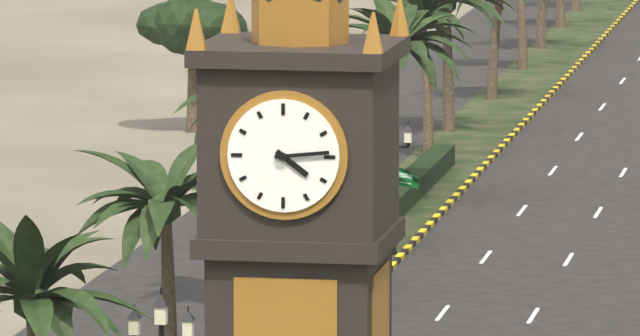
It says 4:14
